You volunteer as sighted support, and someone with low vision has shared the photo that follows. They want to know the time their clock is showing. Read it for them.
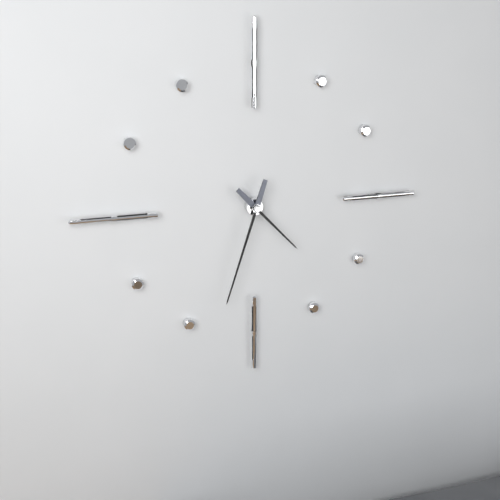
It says 4:33
